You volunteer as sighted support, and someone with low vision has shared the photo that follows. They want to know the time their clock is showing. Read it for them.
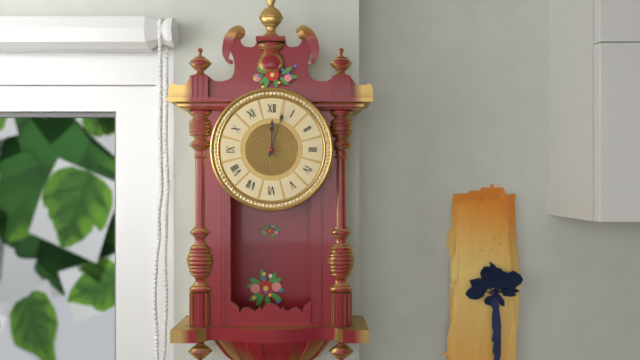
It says 12:03
